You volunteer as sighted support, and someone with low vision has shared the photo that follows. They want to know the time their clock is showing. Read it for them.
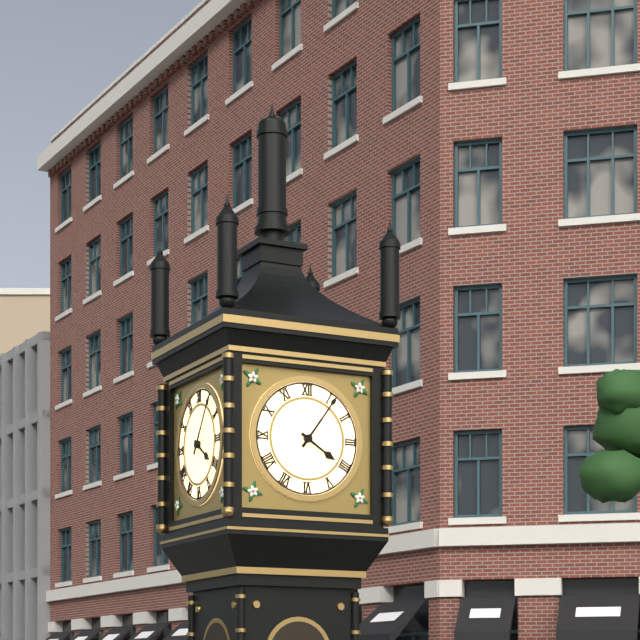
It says 4:06
